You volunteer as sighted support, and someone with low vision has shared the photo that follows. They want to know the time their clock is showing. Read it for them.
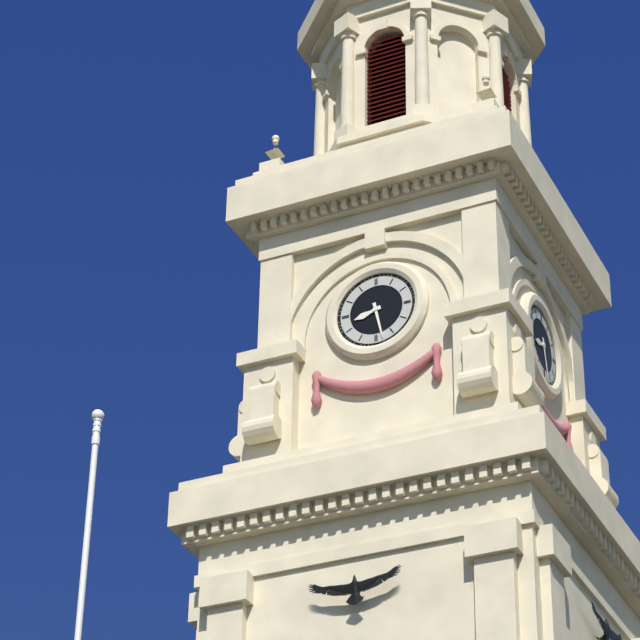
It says 8:28
